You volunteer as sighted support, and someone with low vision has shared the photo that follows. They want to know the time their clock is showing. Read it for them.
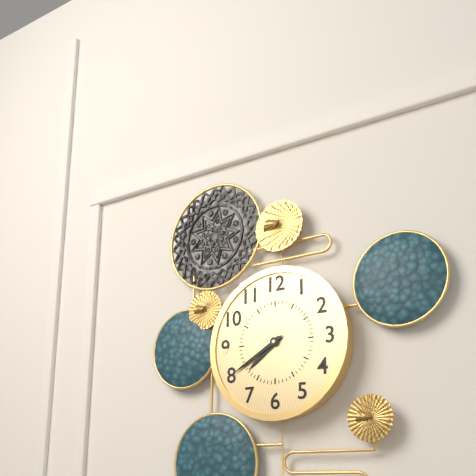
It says 7:40
